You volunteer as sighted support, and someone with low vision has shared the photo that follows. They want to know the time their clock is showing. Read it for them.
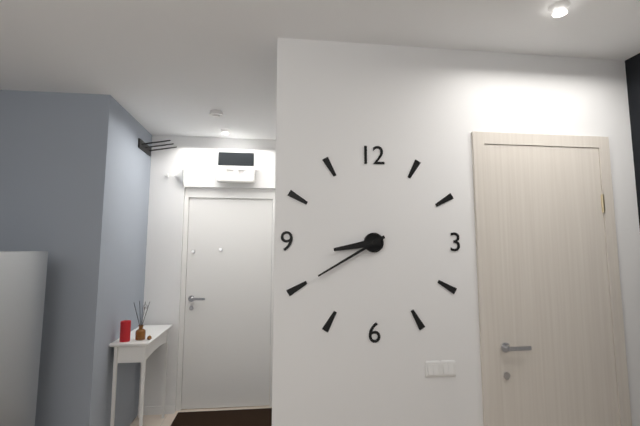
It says 8:40
